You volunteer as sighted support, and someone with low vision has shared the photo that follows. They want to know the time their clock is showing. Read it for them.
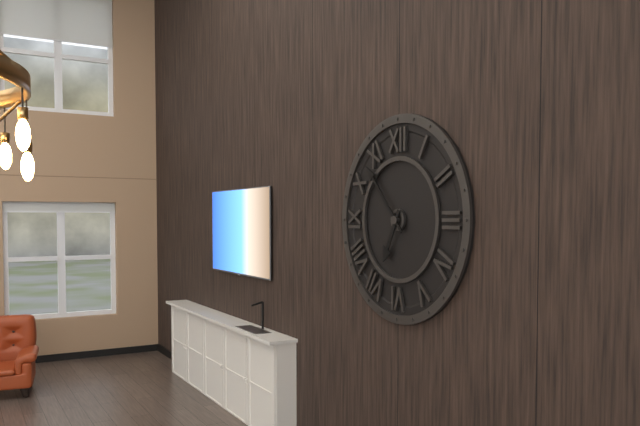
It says 6:53
